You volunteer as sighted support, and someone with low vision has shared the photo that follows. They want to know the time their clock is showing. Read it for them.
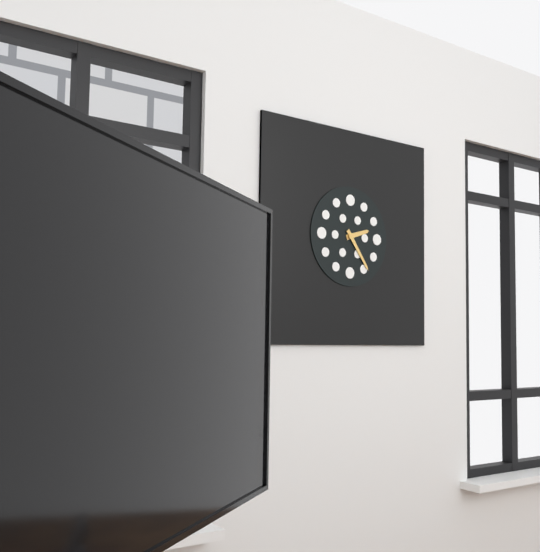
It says 2:24
